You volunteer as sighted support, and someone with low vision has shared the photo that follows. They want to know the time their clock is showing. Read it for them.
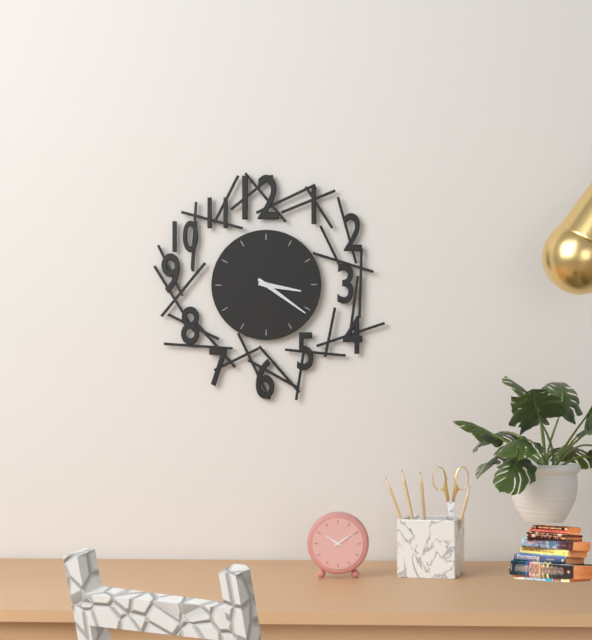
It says 3:21
